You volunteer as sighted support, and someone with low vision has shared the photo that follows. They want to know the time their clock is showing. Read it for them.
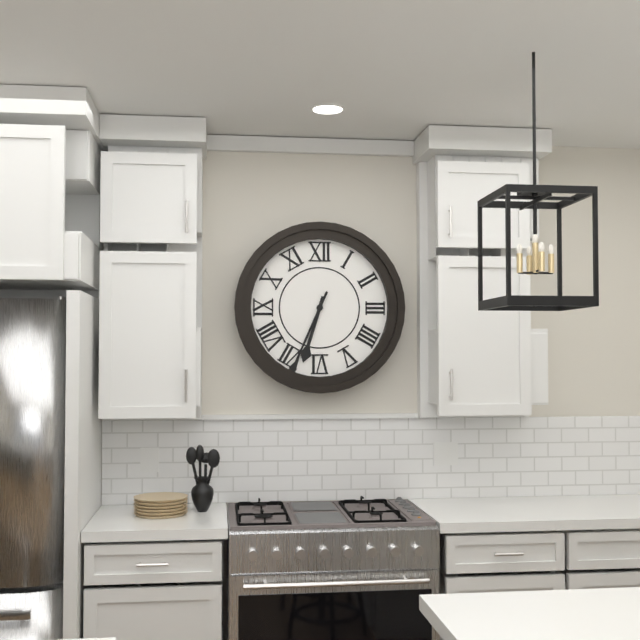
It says 6:34
